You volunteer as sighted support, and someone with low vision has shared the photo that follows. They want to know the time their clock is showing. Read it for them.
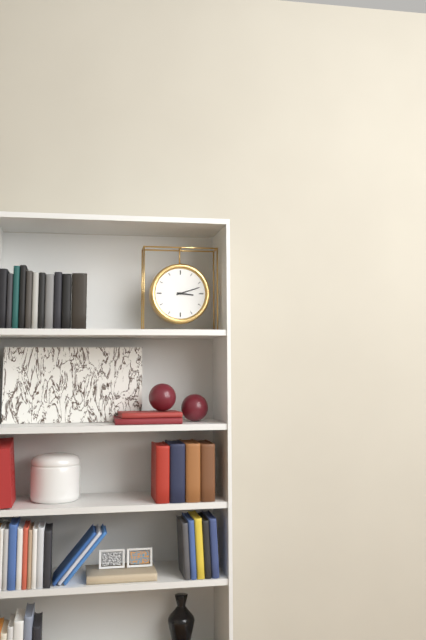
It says 3:12
